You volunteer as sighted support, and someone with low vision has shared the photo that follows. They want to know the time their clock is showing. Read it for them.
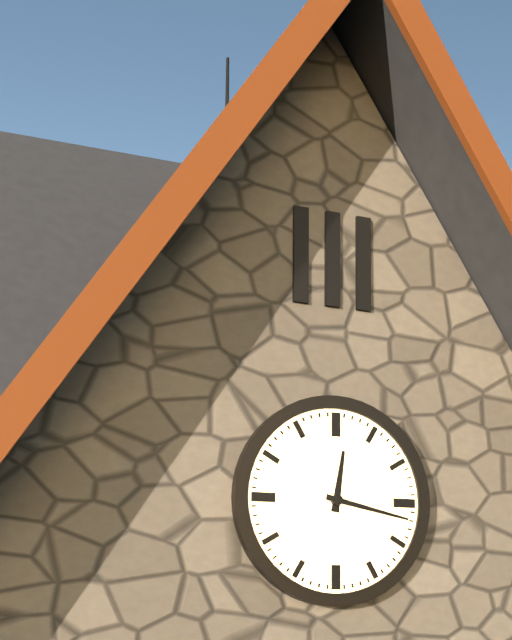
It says 12:17
